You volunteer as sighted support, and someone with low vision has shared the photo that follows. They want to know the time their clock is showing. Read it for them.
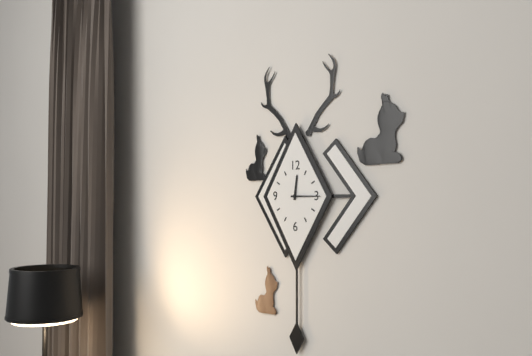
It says 12:15
